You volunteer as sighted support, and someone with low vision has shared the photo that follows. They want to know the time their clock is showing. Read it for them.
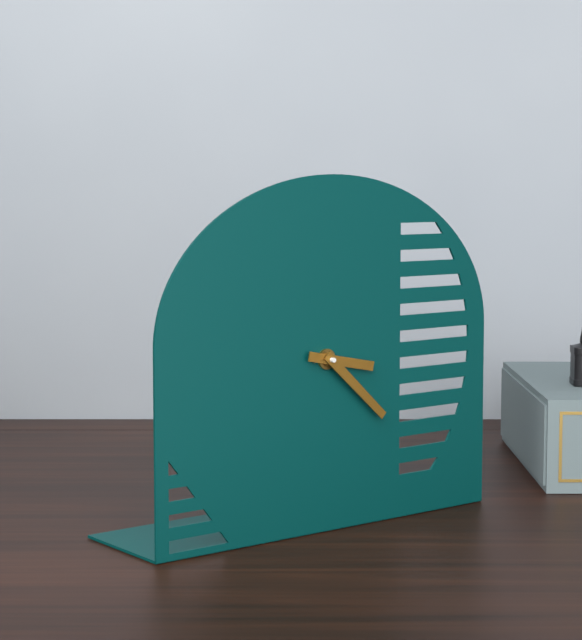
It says 3:22
